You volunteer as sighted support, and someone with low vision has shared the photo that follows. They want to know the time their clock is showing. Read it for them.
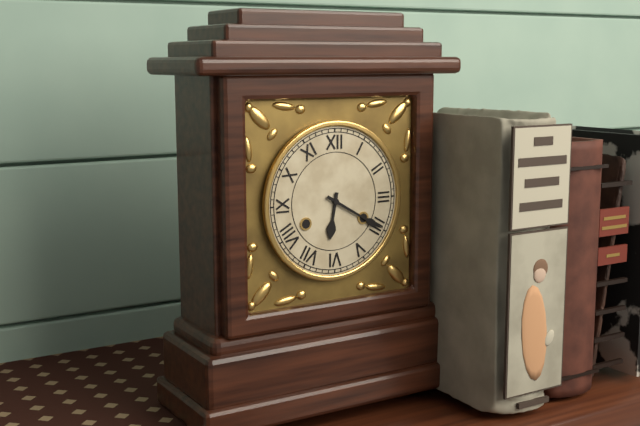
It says 6:20
